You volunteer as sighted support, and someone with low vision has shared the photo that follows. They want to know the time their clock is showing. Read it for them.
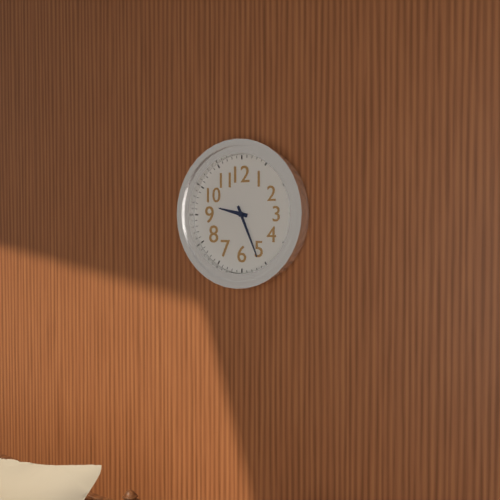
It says 9:26
